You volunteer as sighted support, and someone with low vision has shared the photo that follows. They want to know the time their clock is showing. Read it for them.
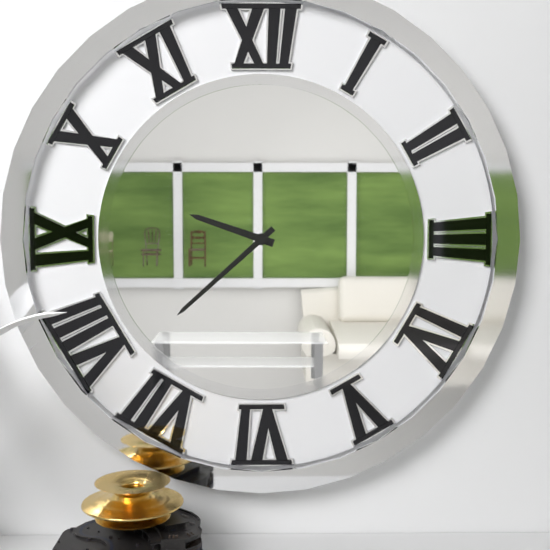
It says 9:38
